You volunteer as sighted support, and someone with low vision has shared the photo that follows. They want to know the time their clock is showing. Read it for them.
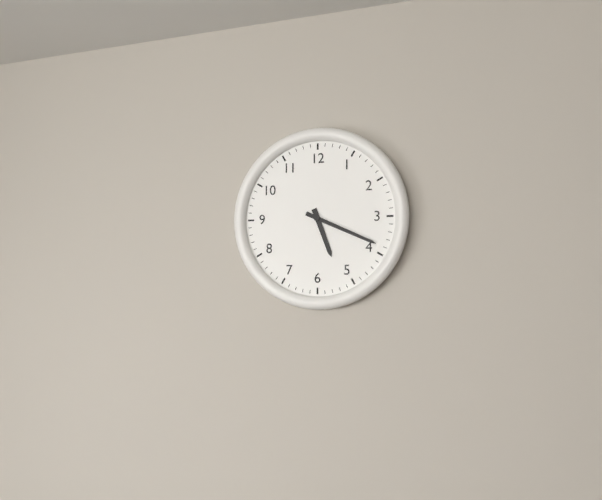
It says 5:19
